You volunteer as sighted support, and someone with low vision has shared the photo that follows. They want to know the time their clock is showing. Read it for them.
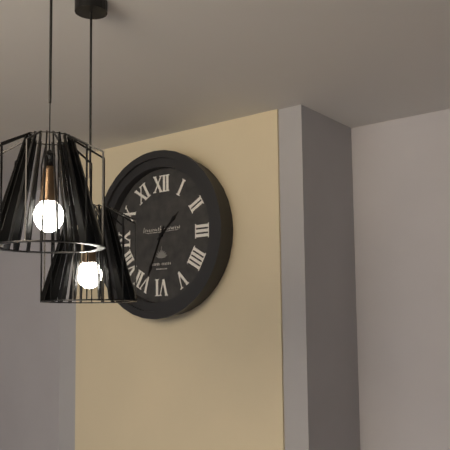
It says 1:34
